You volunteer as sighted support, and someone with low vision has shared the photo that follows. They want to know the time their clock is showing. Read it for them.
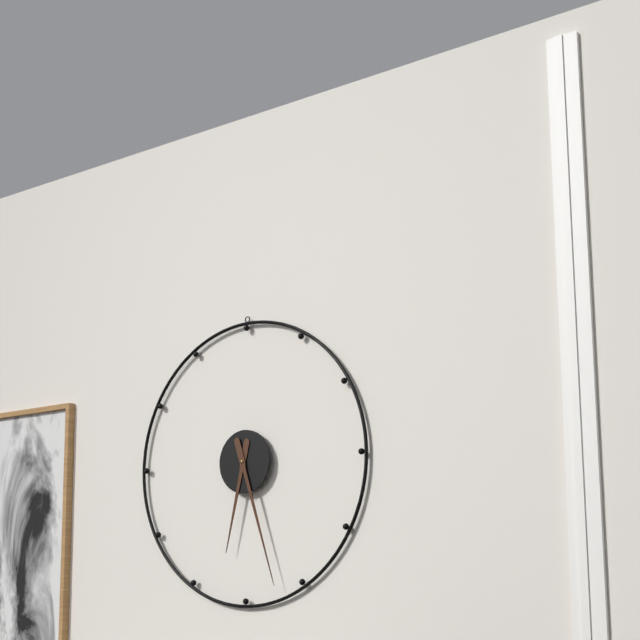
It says 6:27
